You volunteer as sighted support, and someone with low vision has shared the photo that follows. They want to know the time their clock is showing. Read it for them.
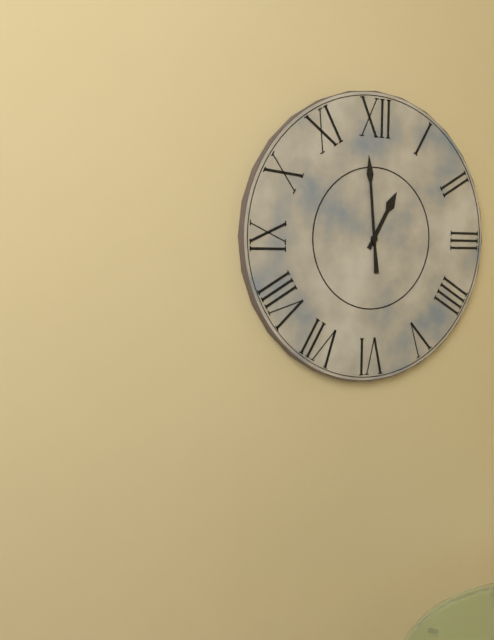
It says 12:59
